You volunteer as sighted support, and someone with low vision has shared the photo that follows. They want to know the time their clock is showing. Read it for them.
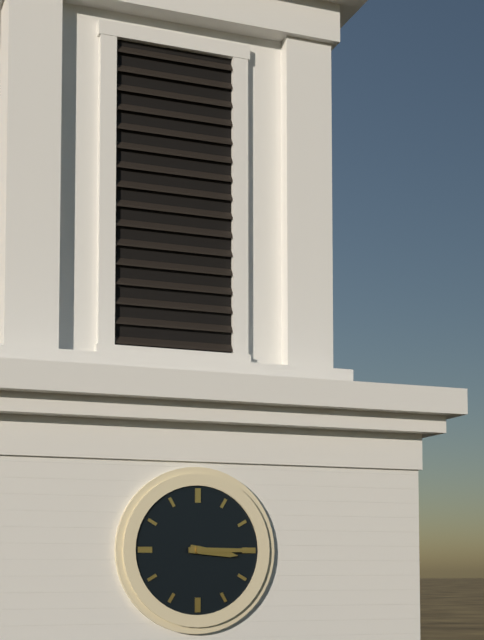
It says 3:15
